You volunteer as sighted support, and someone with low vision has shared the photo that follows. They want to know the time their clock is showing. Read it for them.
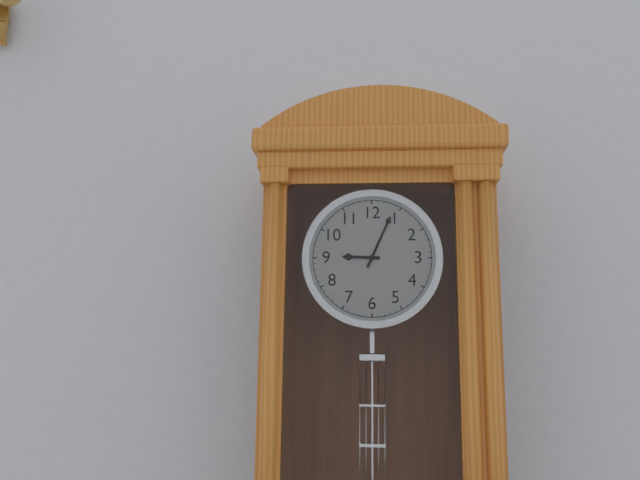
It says 9:04
